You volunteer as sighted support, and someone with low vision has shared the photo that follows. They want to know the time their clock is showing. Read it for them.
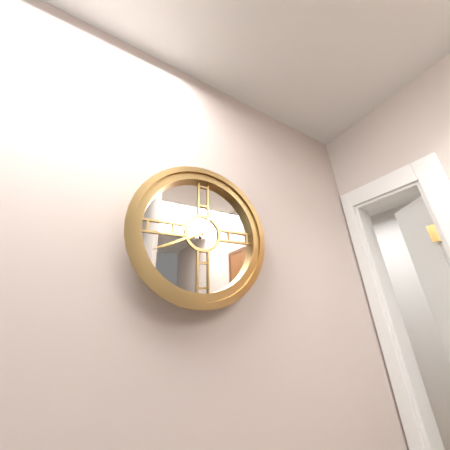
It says 12:41
